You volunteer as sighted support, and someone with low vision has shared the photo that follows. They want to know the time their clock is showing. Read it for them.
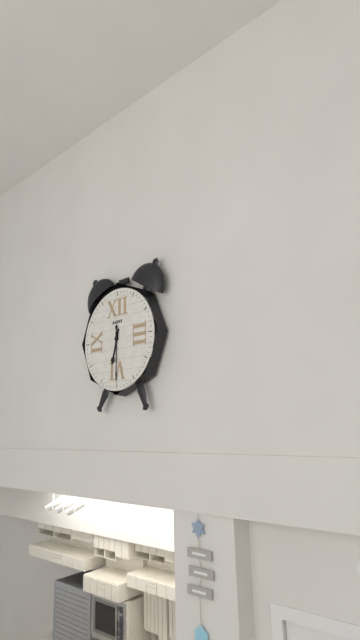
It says 6:30
